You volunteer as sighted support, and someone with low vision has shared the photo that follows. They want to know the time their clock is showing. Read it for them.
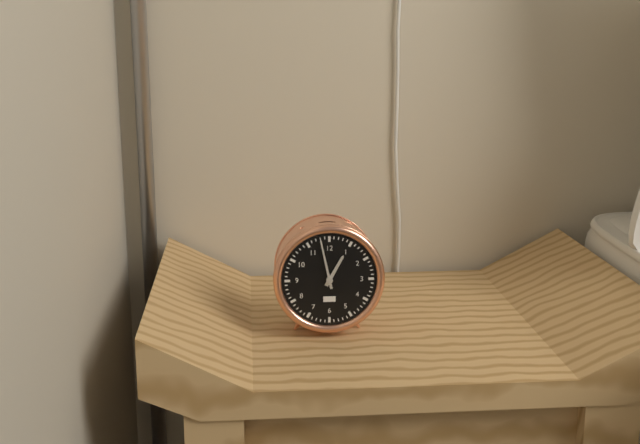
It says 12:58
